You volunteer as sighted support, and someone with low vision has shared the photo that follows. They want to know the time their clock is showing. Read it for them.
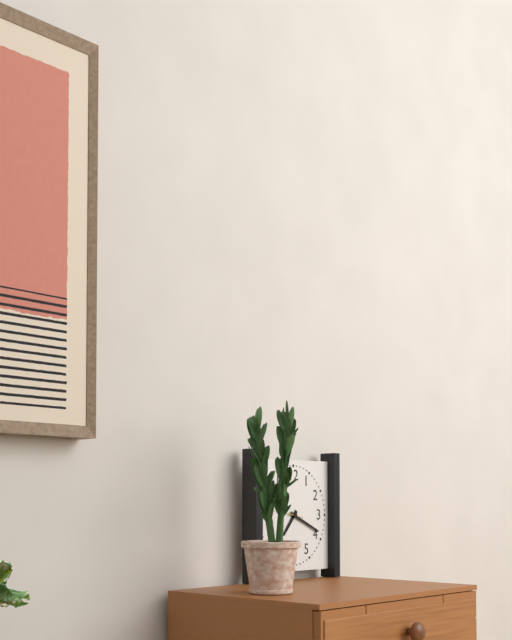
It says 7:19
